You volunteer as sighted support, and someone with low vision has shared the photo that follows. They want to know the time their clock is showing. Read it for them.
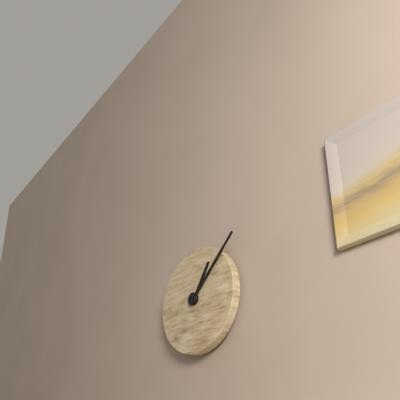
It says 1:08
